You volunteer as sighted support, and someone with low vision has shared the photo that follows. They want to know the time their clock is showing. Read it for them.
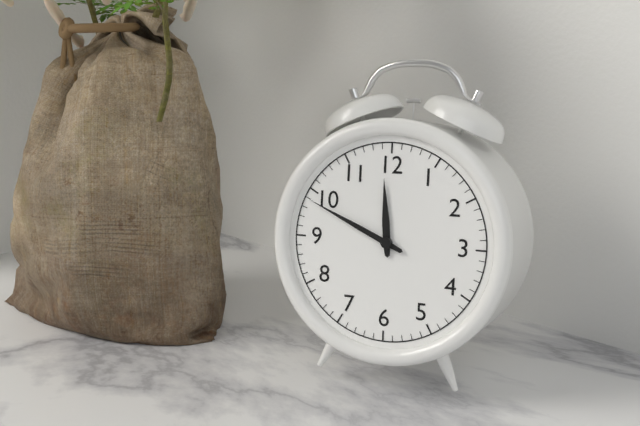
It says 11:49
